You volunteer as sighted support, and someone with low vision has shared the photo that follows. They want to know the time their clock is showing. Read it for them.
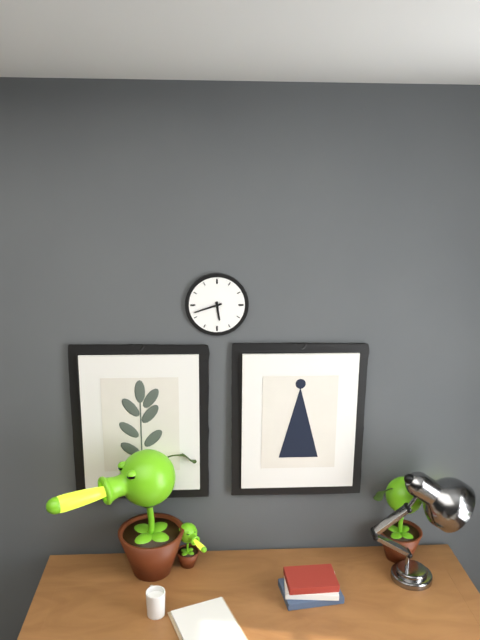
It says 5:42
